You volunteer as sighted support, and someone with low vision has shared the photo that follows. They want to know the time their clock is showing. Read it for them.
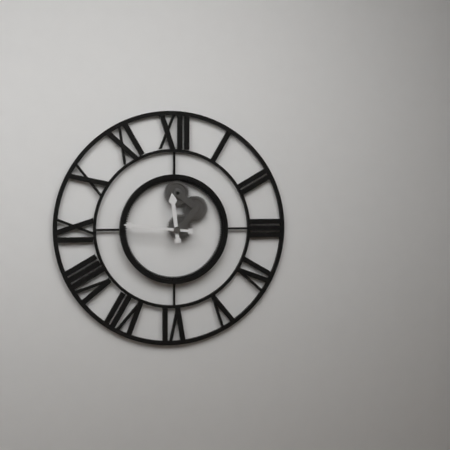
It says 11:46
